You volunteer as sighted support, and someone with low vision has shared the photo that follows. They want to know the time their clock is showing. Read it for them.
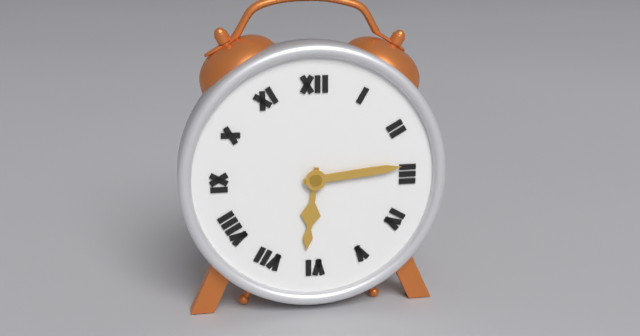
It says 6:14
